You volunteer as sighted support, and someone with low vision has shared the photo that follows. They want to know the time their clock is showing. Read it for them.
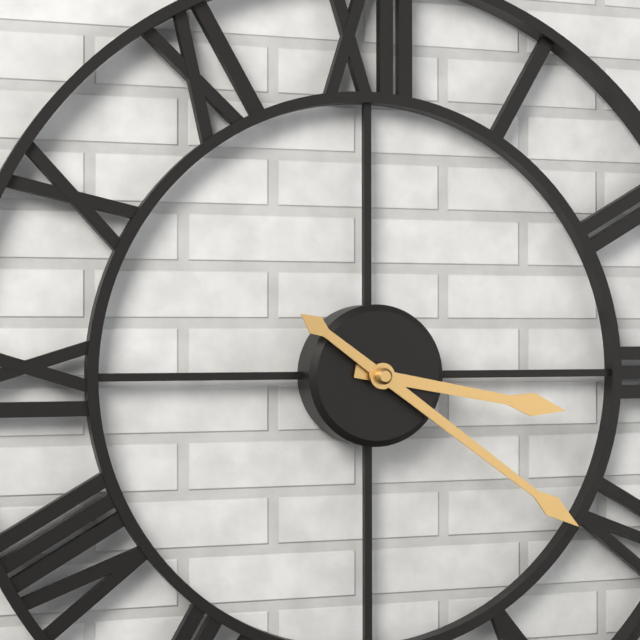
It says 3:21
